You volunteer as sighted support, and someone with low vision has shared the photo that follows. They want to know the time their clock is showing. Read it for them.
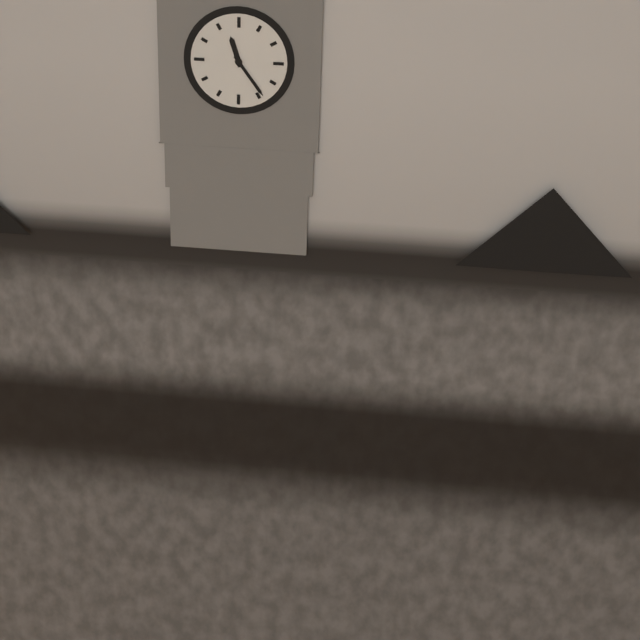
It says 11:24
